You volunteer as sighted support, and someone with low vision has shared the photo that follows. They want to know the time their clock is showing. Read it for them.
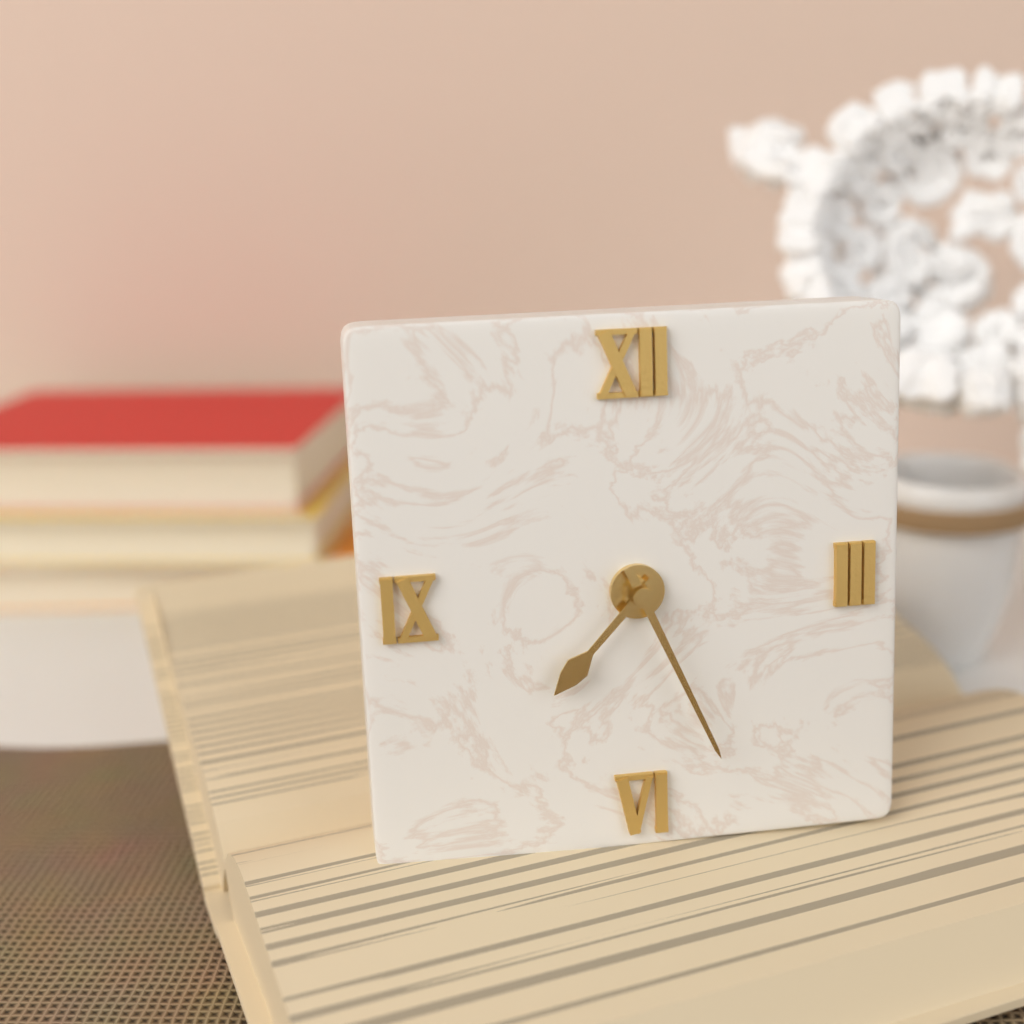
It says 7:26
